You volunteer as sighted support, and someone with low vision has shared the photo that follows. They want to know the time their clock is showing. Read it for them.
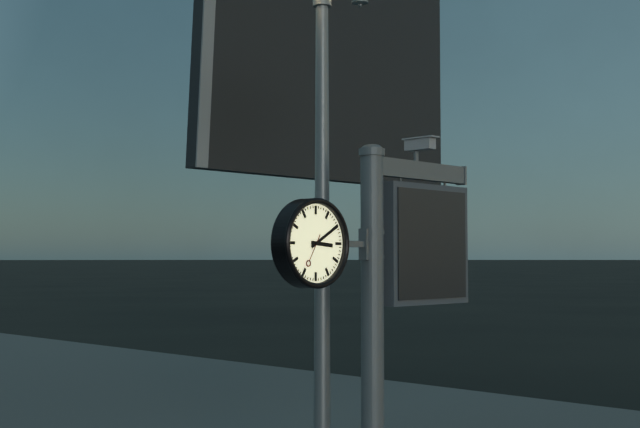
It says 3:10
